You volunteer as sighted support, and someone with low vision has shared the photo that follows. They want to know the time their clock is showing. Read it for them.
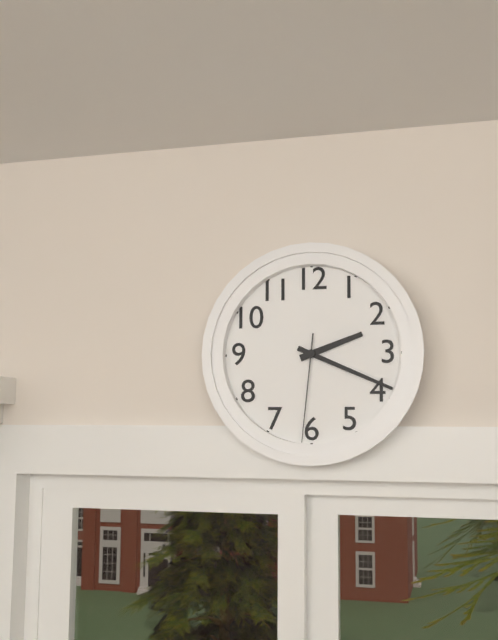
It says 2:19:31
